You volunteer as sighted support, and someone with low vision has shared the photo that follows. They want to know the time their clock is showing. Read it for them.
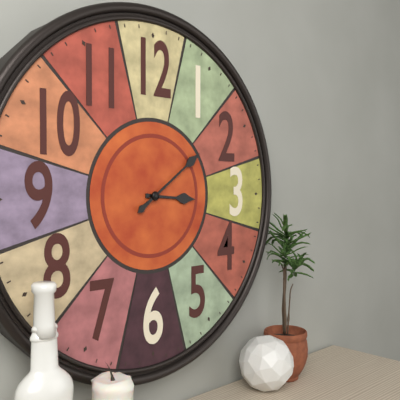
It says 3:09
